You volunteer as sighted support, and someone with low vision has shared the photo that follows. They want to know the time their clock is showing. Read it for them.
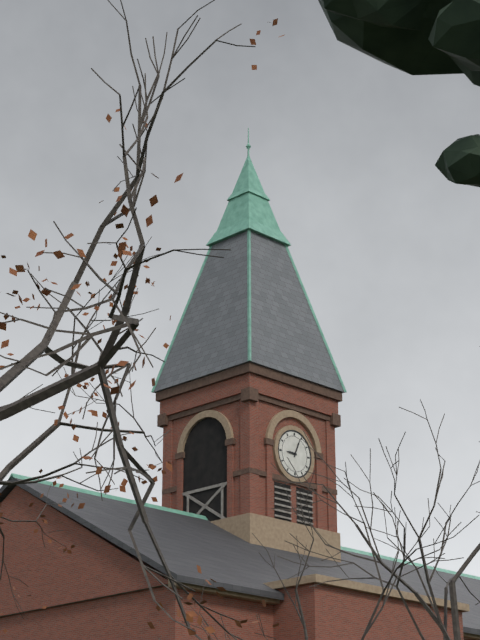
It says 9:04
